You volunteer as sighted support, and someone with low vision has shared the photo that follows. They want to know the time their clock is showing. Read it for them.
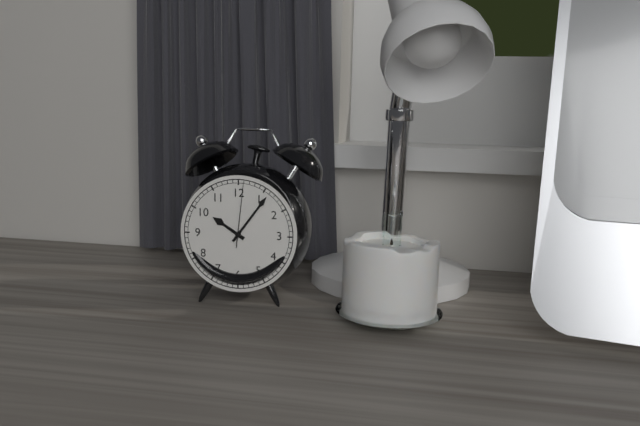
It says 10:06:01
